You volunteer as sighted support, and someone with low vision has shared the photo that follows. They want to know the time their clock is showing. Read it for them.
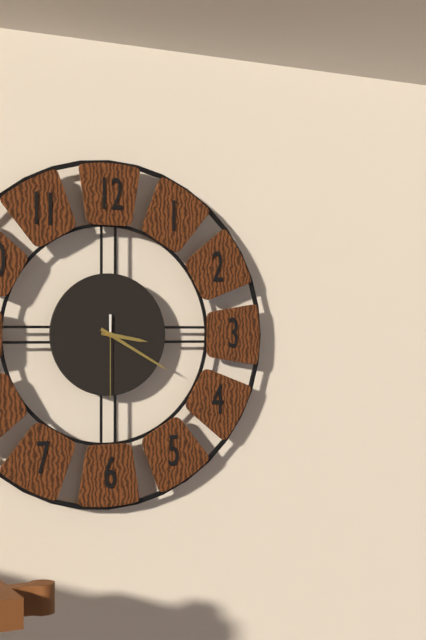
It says 3:20:30
